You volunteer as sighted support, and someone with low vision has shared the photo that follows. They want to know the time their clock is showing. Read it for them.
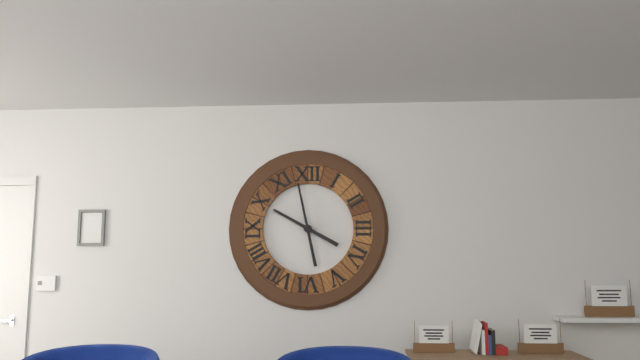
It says 9:58
